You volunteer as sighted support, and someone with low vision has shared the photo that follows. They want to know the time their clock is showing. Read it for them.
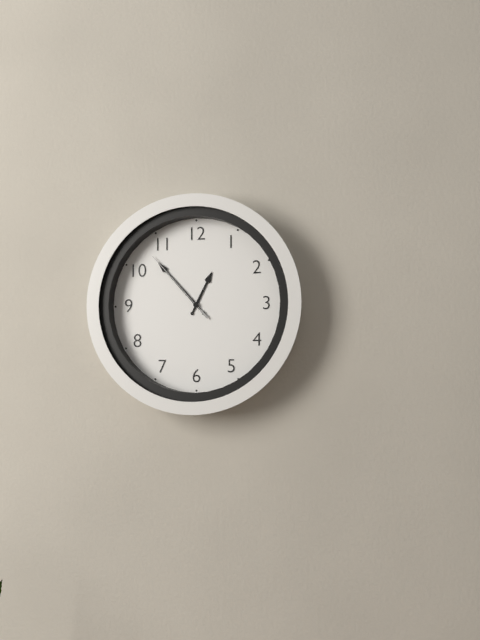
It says 12:53:53
